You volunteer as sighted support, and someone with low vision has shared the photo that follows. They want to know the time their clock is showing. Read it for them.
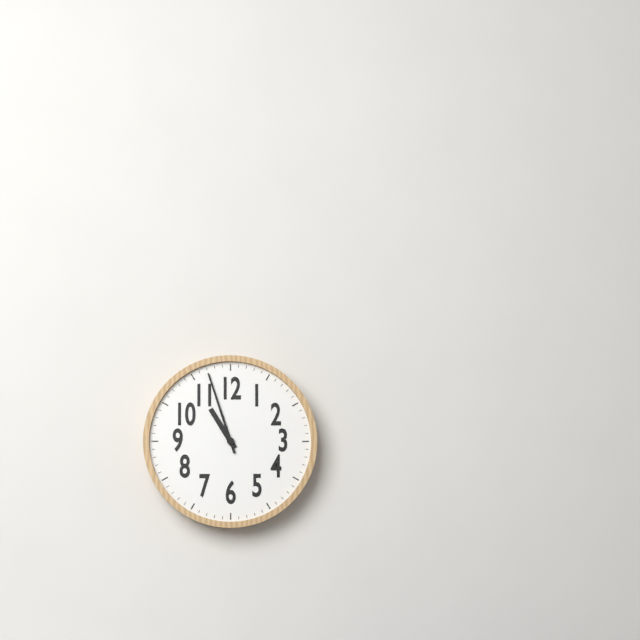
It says 10:57
